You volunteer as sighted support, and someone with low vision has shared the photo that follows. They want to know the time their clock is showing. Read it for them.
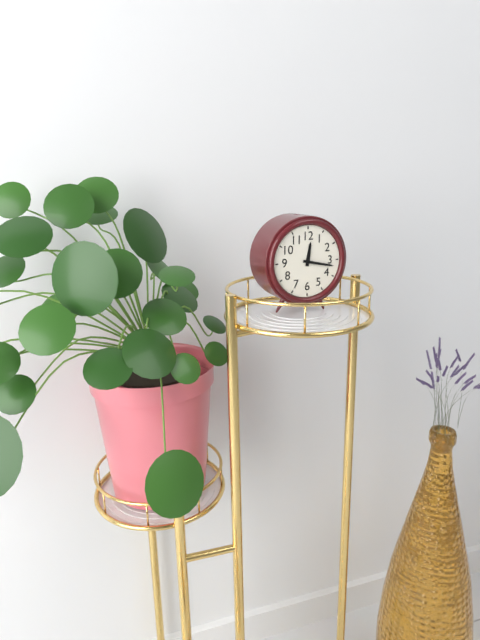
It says 12:17
